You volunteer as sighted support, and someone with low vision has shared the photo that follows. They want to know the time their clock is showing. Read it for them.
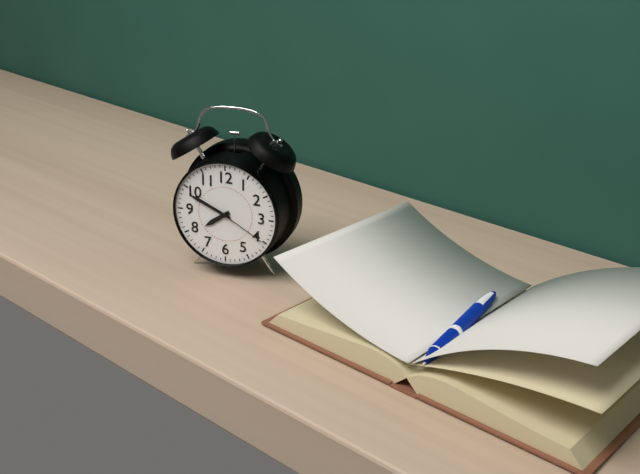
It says 7:49:20
